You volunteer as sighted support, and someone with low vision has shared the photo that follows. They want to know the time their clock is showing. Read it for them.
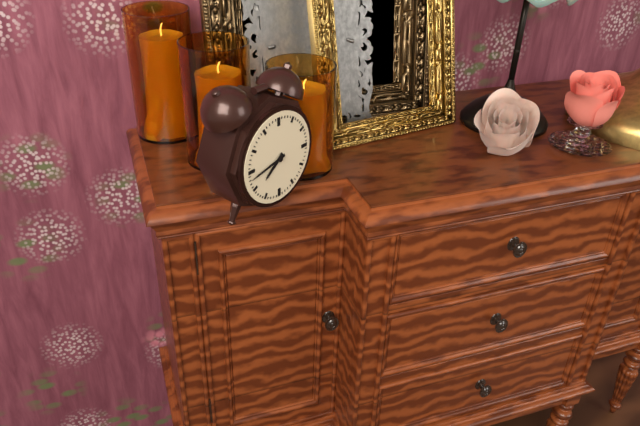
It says 7:43
